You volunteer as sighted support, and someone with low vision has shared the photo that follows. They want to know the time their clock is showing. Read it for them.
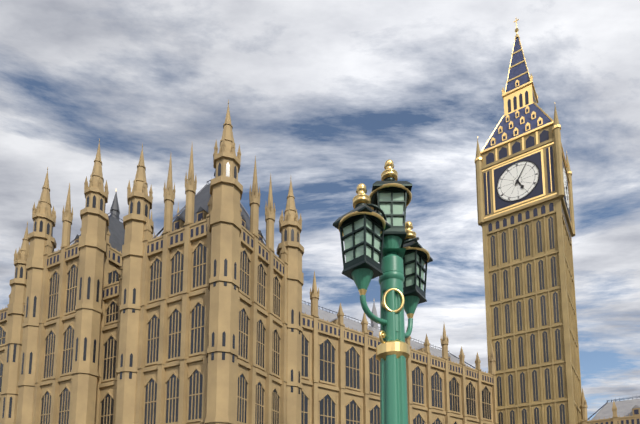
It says 5:05
